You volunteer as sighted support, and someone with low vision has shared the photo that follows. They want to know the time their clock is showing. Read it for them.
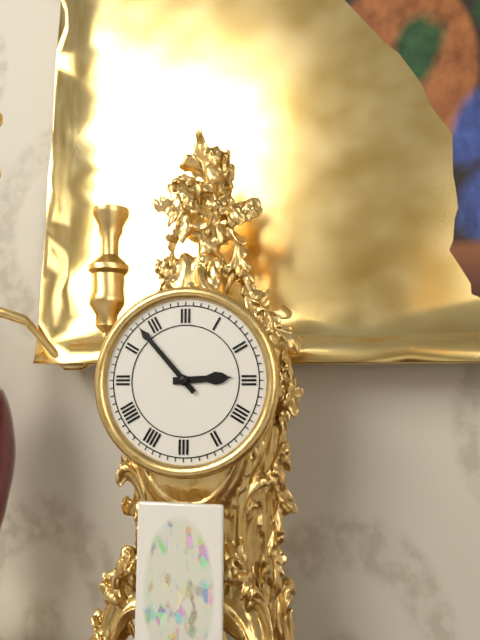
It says 2:53
